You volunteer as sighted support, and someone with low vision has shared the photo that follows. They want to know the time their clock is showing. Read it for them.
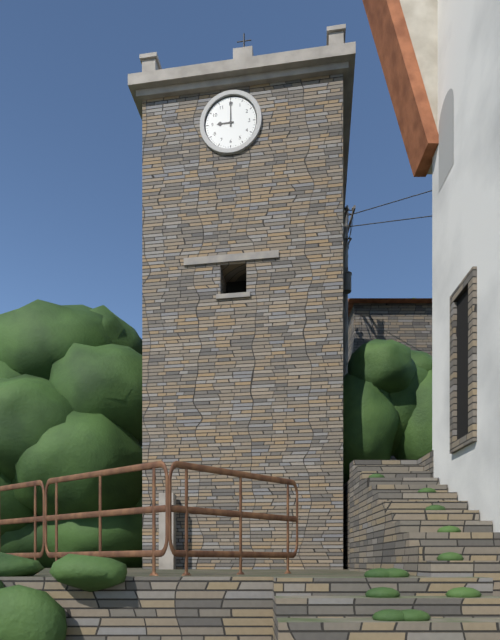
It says 9:00
